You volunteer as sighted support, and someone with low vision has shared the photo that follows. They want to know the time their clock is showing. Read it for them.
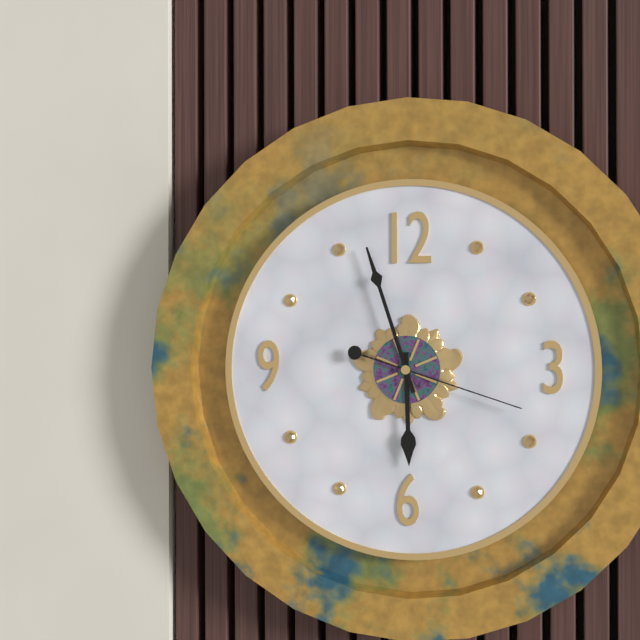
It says 5:57:18
